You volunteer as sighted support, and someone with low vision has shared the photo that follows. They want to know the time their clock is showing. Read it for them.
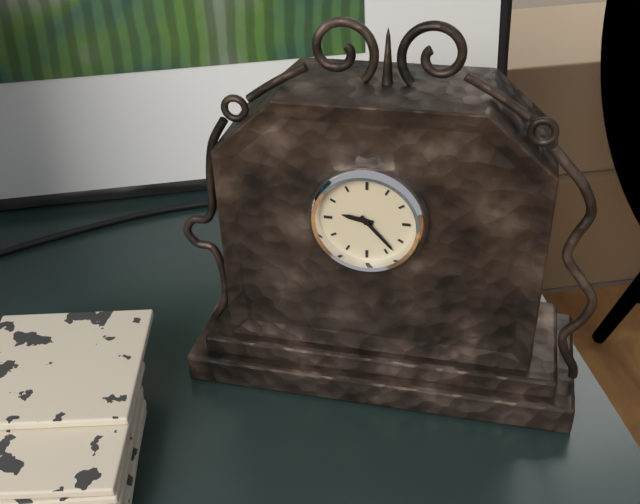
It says 9:23
